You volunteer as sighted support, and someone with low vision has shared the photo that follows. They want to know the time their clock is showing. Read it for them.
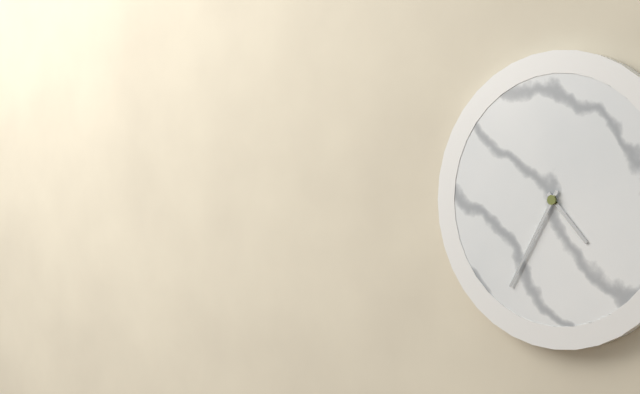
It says 4:35
